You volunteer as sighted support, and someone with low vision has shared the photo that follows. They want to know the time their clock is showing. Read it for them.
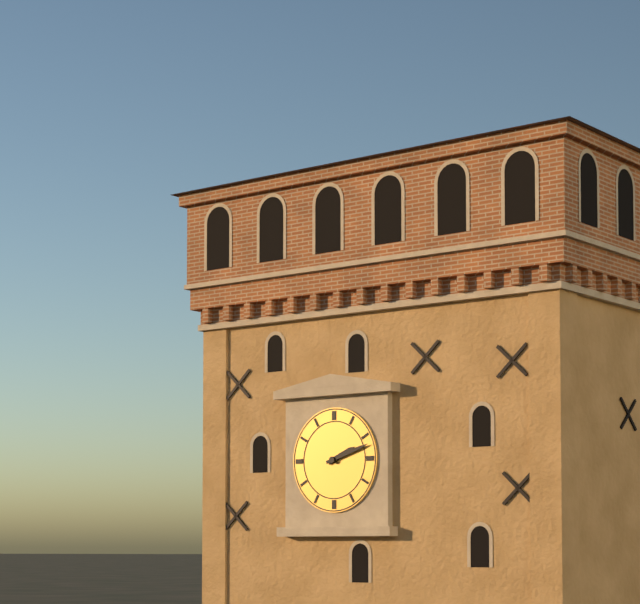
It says 2:12
